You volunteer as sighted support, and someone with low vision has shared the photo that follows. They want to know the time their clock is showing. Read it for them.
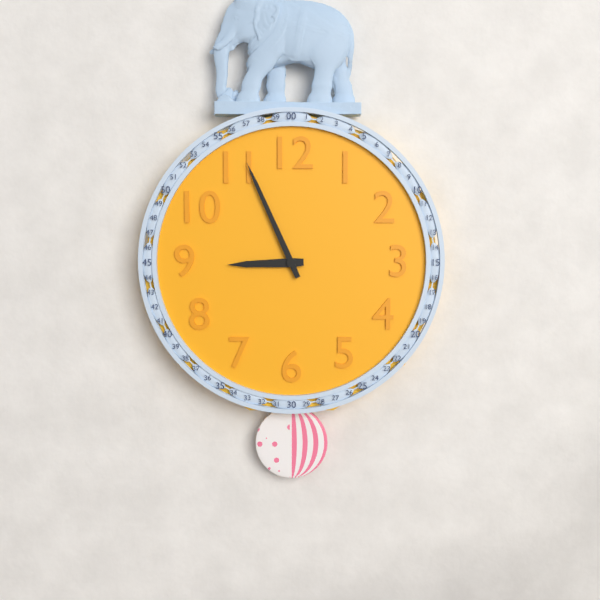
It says 8:56
